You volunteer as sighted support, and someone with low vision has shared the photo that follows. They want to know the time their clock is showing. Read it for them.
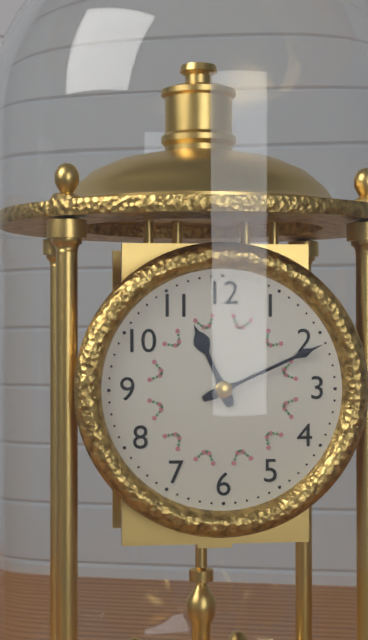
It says 11:11
